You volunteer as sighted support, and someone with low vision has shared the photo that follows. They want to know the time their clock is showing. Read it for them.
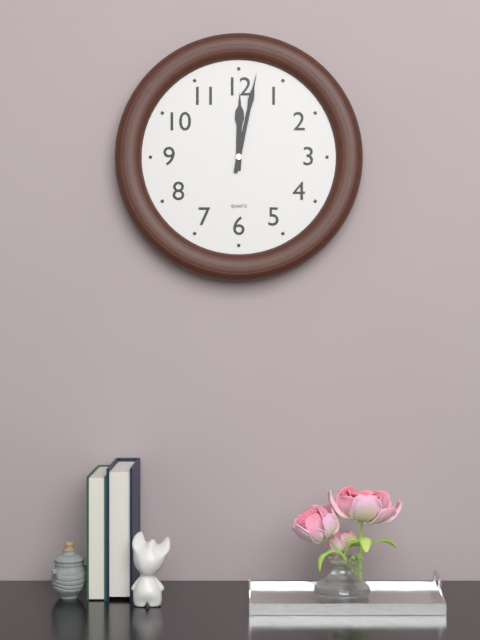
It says 12:02
